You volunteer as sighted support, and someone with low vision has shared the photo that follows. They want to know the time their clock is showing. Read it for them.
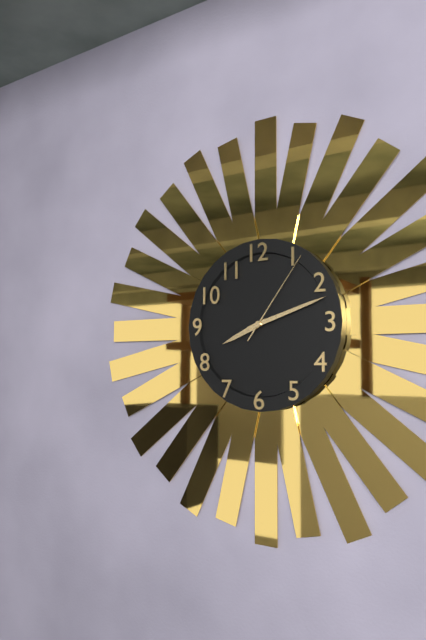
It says 8:12:06
